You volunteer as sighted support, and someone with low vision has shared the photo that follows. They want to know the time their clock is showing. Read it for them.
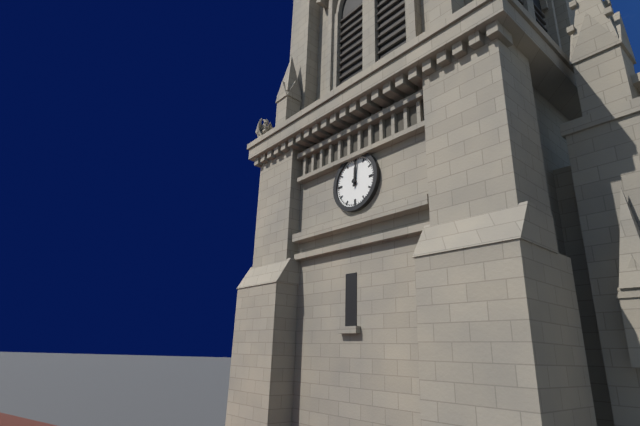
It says 12:01
